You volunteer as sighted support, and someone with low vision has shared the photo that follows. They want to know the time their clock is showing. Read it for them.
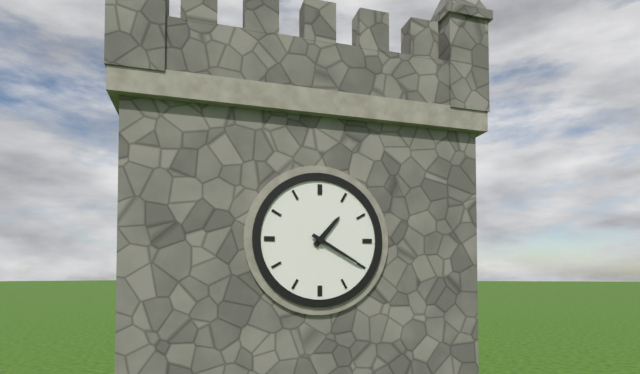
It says 1:20
